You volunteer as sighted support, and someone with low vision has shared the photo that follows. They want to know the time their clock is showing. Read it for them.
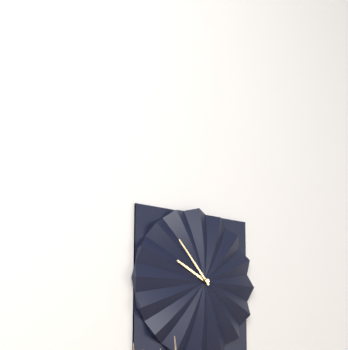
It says 9:53
